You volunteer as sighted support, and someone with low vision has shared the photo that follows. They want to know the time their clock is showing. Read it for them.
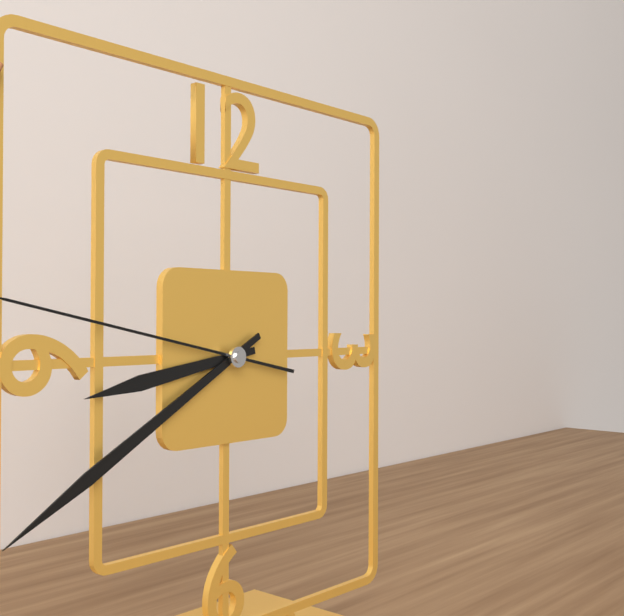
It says 8:40
